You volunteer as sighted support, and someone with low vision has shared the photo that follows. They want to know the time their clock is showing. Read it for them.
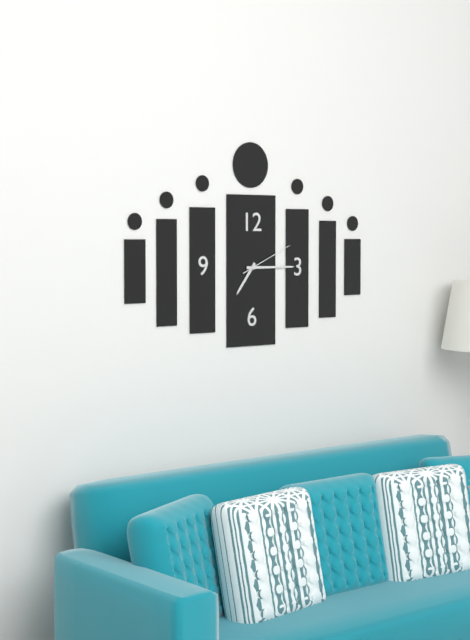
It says 7:15:11
